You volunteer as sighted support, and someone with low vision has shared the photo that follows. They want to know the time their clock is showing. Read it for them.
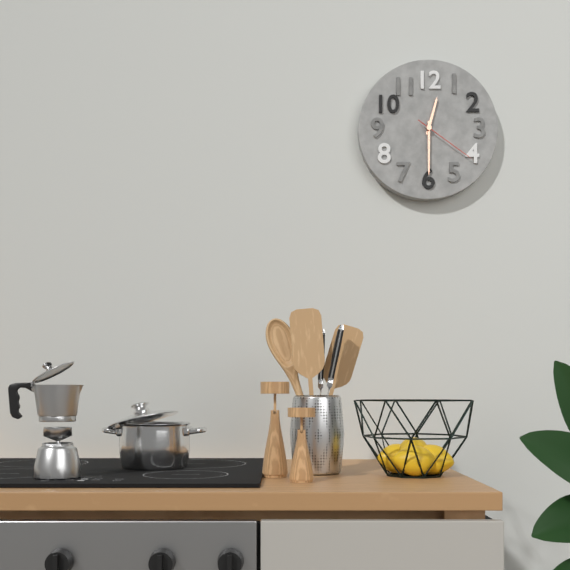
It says 12:30:21
